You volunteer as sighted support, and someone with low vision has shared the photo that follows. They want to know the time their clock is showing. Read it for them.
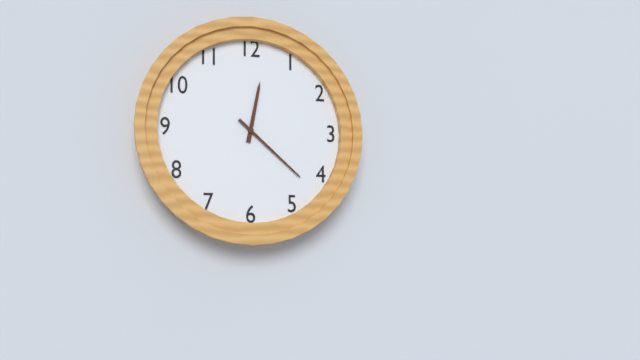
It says 12:22
